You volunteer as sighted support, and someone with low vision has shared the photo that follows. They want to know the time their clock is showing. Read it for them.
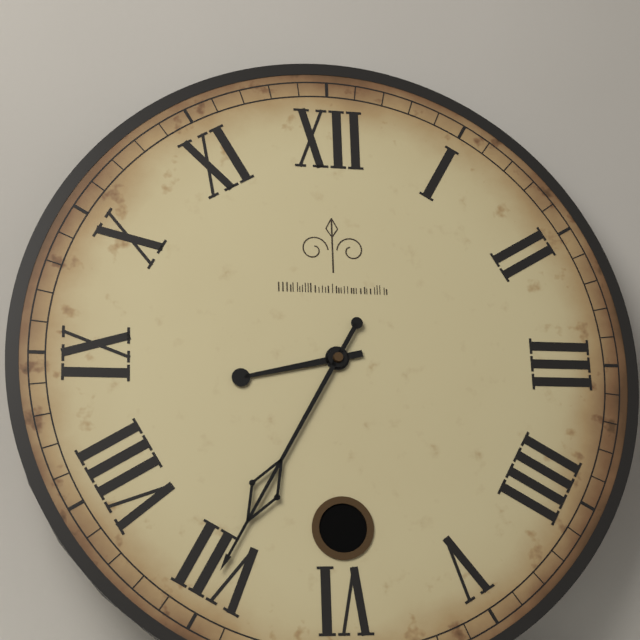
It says 8:35
